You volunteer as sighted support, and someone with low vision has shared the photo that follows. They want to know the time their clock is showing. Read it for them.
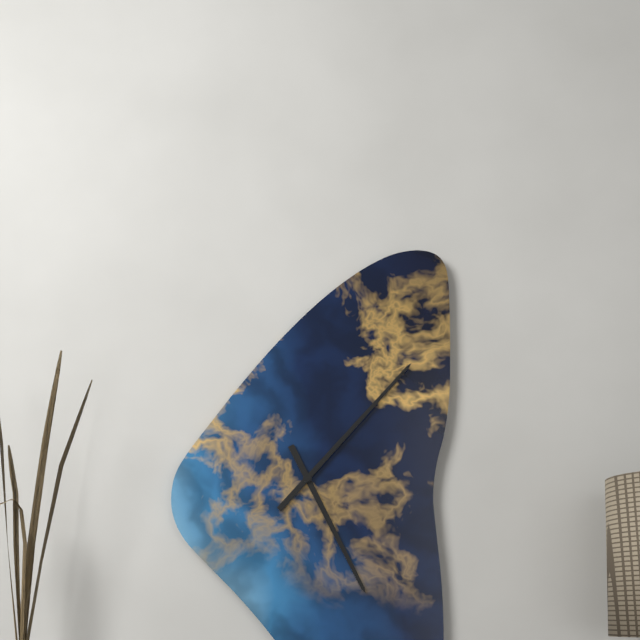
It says 5:07
